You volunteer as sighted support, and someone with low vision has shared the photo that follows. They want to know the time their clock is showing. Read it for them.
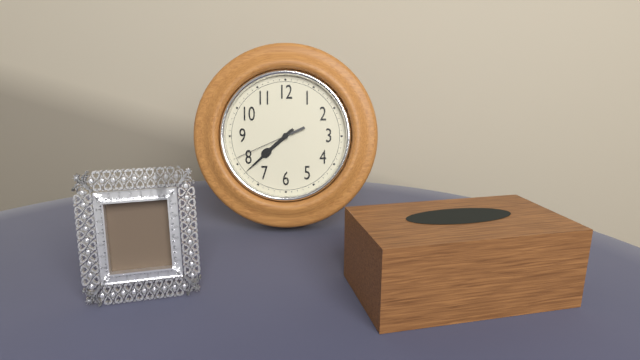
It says 7:38:41
